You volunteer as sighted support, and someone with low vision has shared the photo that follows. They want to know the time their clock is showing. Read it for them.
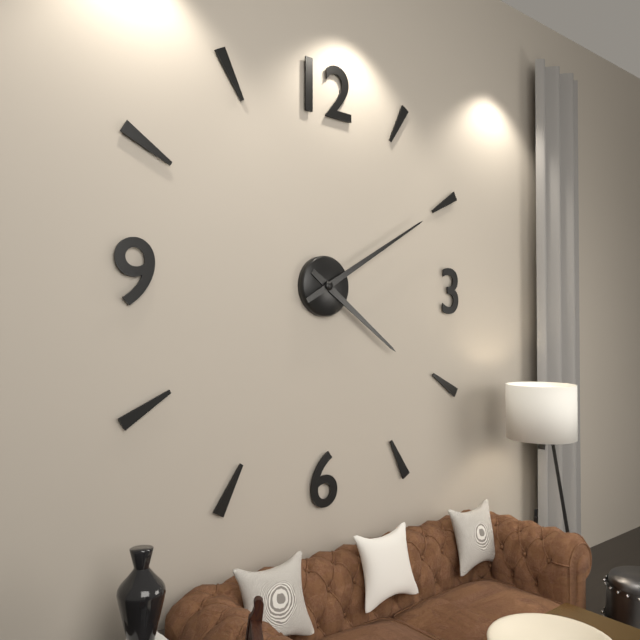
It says 4:10
